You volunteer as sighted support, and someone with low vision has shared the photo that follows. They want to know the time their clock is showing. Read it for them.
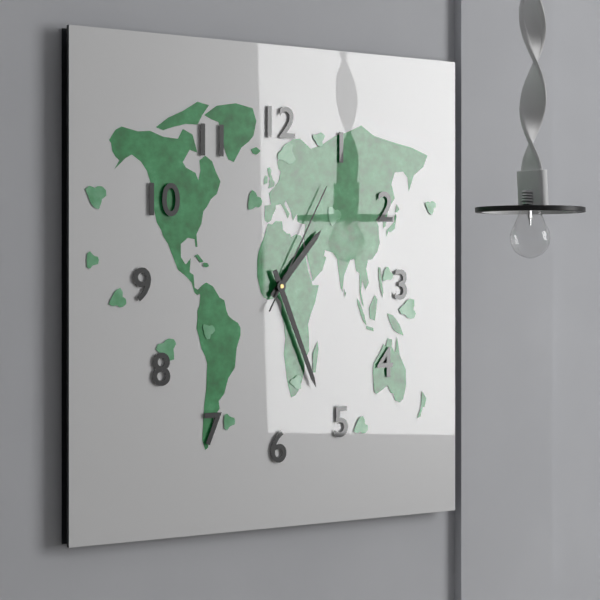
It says 1:26:05
